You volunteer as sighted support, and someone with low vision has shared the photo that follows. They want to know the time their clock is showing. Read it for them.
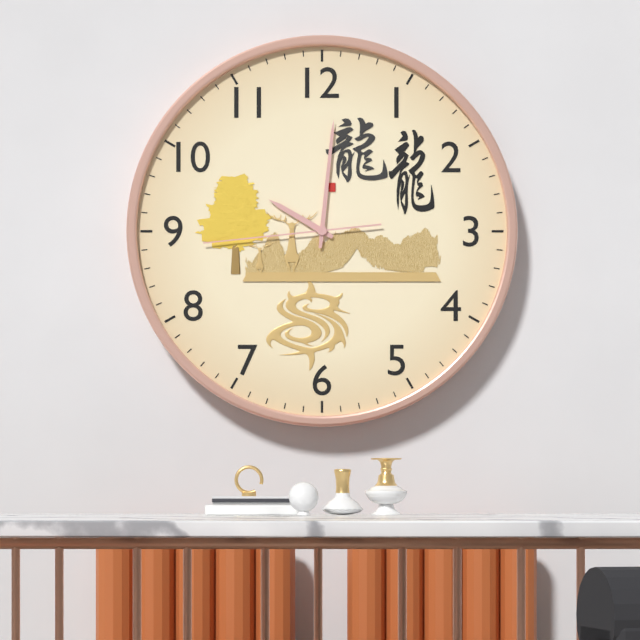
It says 10:01:44
